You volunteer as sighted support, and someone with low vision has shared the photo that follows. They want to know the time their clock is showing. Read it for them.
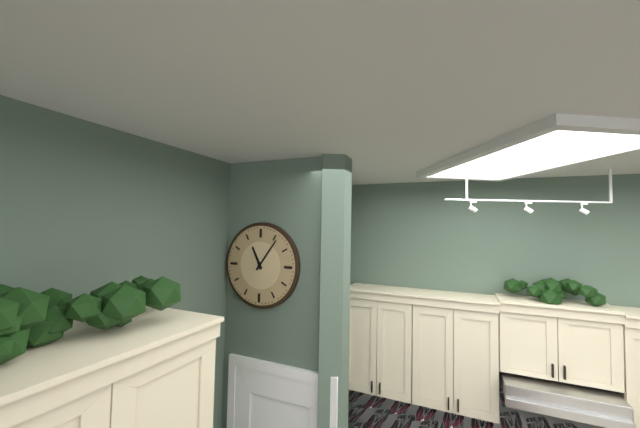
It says 11:06
